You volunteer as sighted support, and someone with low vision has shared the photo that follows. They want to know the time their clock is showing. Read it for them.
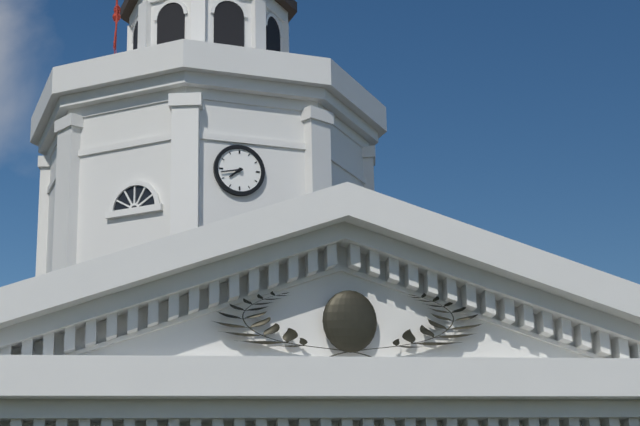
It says 7:43
